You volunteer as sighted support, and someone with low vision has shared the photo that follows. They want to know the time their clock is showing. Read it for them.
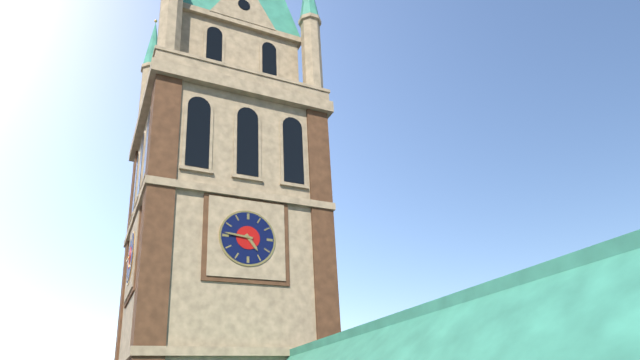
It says 4:46
